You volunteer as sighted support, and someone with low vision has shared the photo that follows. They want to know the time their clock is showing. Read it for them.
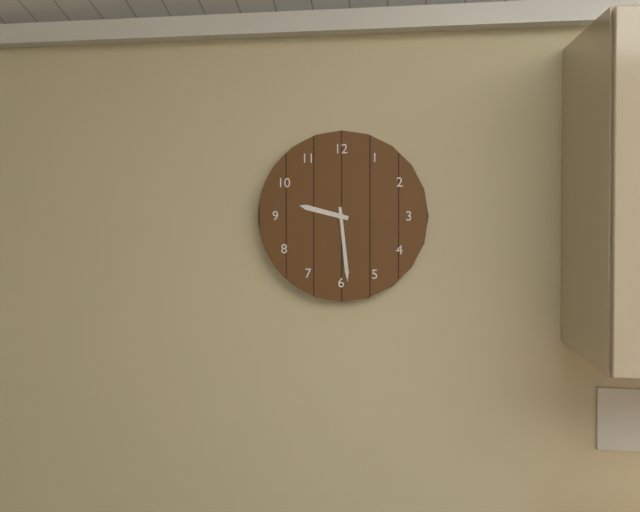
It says 9:29
